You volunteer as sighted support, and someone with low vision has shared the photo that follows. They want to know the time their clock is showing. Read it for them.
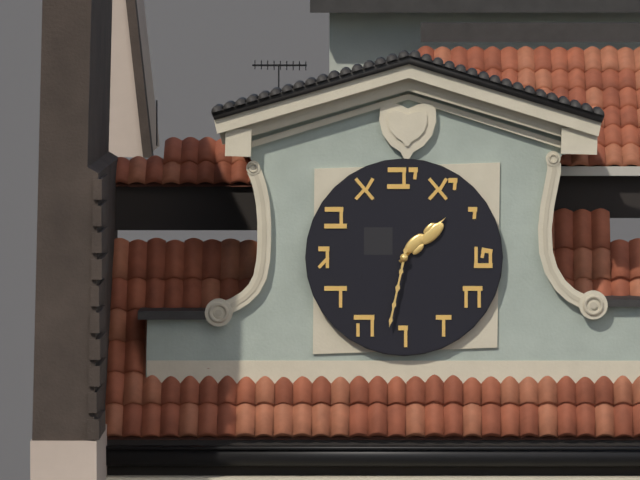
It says 1:32
